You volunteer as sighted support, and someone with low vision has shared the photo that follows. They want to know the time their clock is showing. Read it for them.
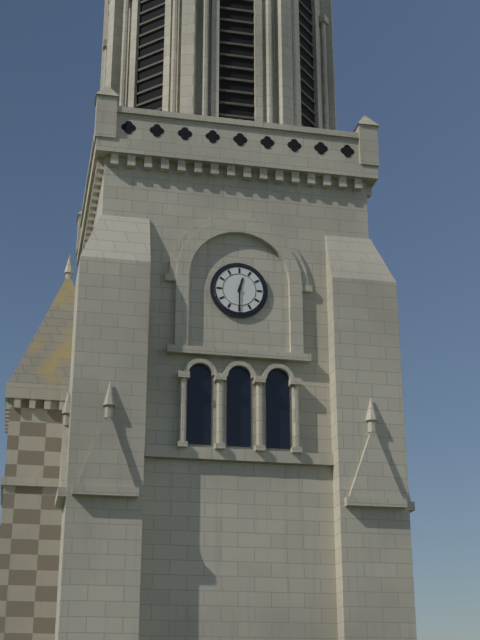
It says 12:30
